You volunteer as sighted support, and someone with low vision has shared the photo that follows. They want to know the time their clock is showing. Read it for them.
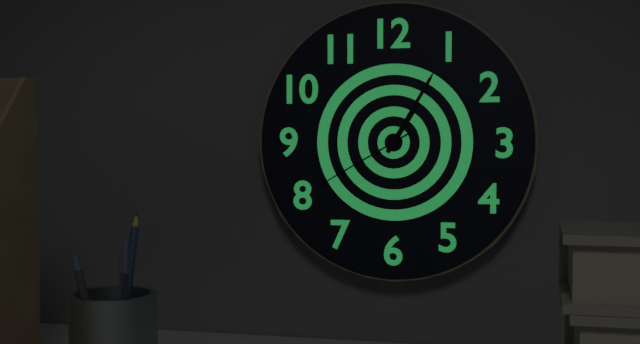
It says 1:05:40
